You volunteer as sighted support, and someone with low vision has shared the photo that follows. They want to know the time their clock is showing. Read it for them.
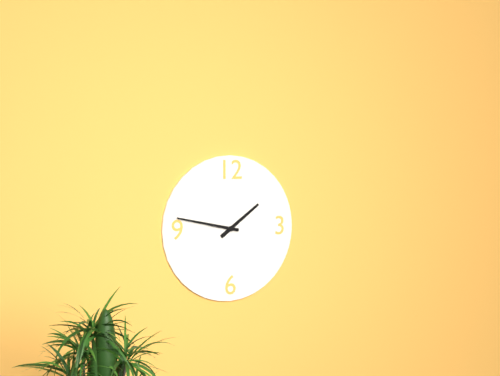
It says 1:47
